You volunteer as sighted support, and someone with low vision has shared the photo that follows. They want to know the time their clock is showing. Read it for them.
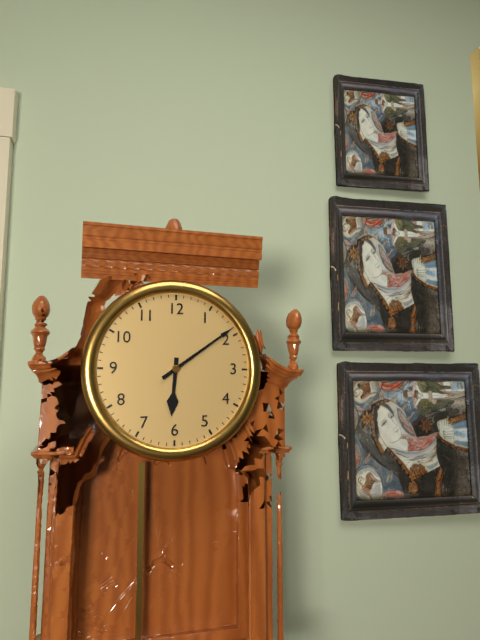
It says 6:09
